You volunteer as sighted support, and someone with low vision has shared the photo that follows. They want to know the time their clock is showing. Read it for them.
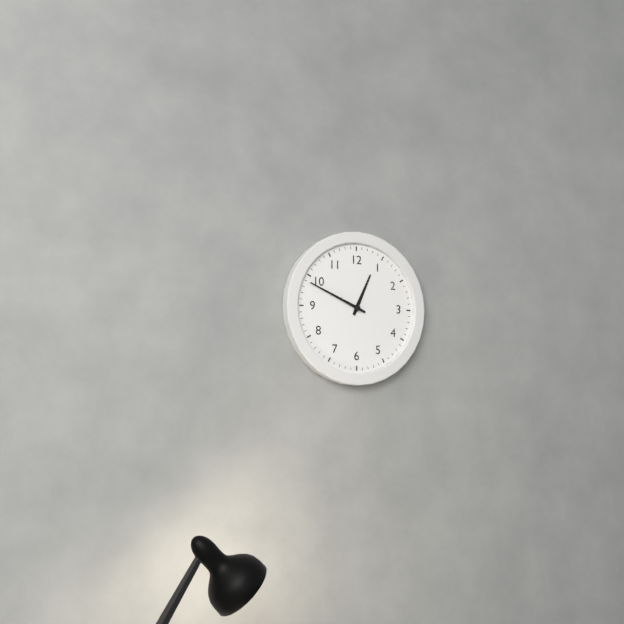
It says 12:49
